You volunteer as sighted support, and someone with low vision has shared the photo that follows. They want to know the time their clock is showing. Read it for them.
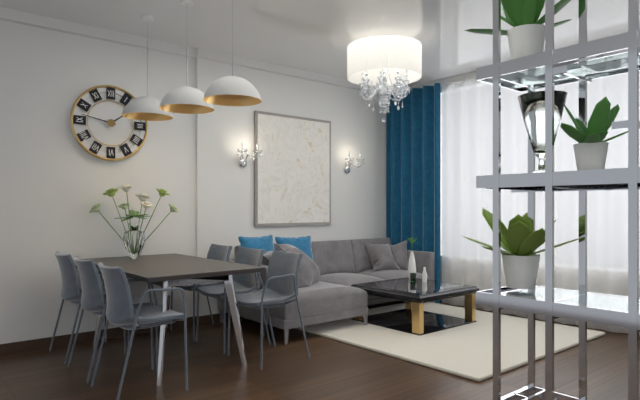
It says 1:47
